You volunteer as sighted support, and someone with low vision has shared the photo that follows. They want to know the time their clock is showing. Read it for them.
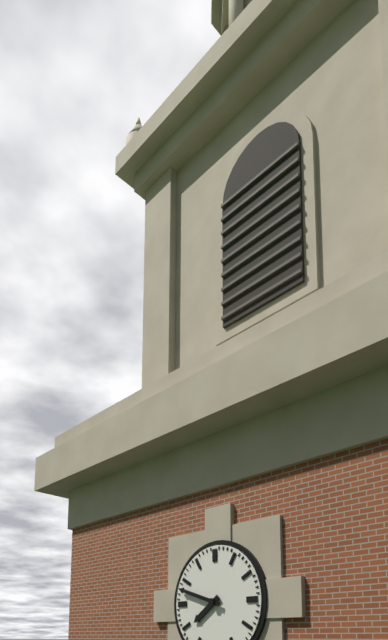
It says 7:48
